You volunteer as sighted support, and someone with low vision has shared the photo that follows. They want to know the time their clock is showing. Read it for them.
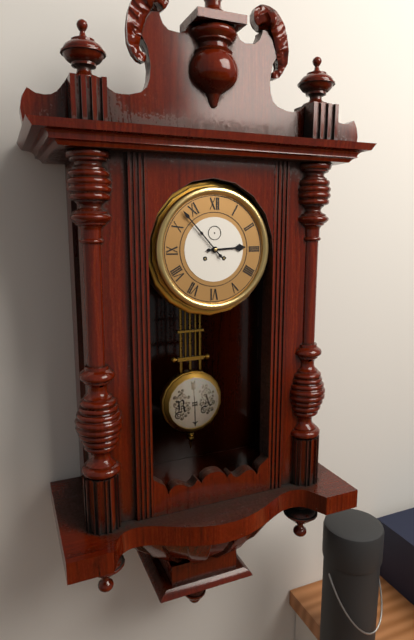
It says 2:53
